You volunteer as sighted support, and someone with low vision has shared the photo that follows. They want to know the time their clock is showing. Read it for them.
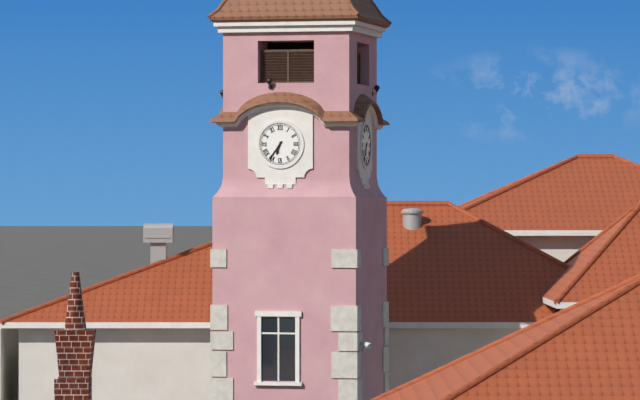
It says 6:36
